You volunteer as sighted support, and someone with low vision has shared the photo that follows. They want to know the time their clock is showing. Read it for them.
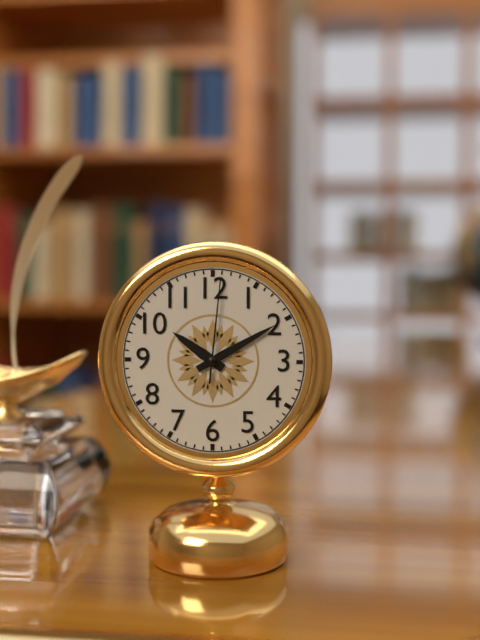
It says 10:10:01
